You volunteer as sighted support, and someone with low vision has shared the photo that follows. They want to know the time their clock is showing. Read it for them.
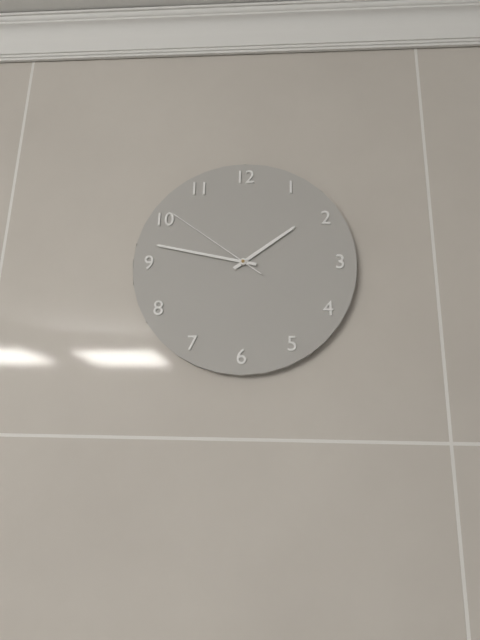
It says 1:47:51
